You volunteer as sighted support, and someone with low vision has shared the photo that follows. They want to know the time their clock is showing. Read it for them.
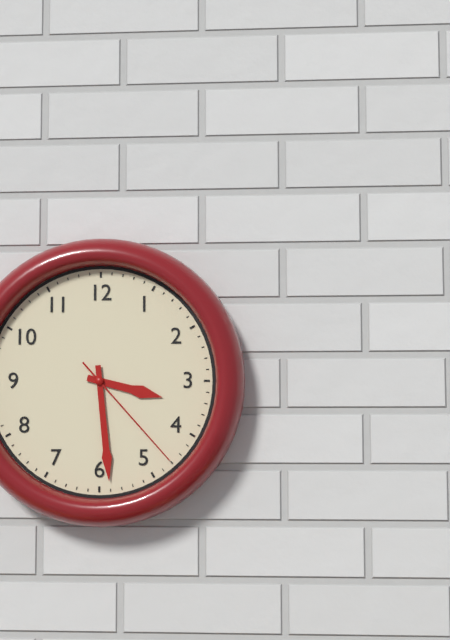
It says 3:29:23
